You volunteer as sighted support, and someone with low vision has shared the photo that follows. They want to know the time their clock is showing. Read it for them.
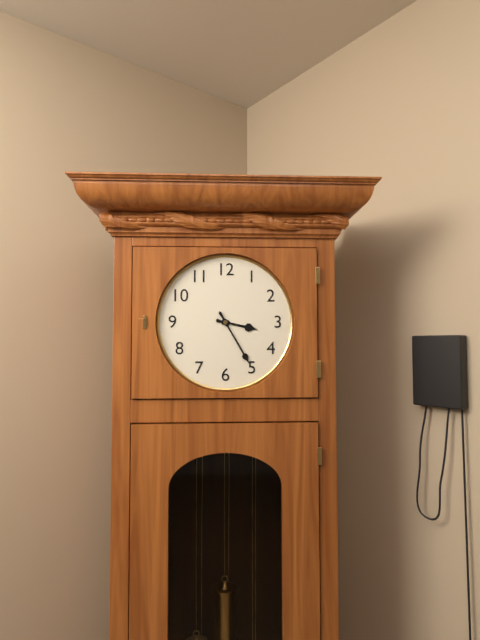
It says 3:25
